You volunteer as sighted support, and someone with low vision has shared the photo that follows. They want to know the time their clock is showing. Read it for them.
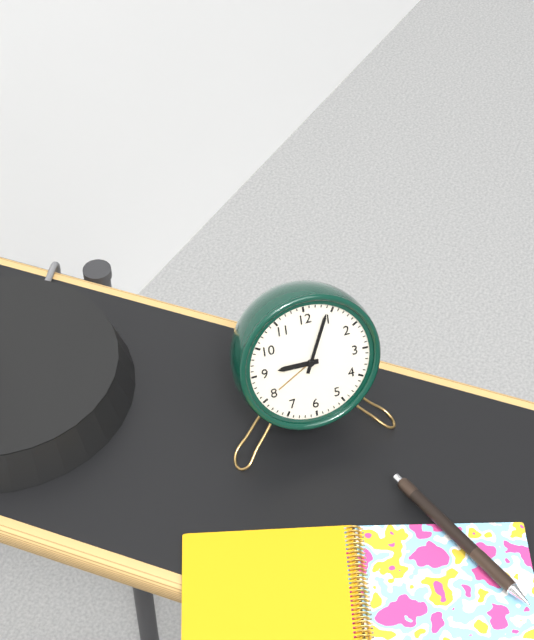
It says 9:04
